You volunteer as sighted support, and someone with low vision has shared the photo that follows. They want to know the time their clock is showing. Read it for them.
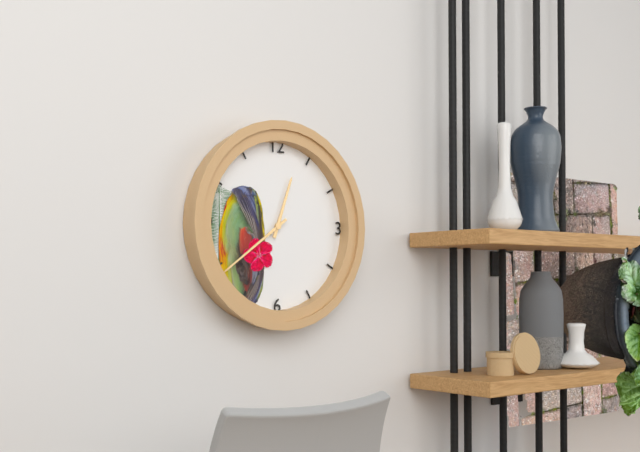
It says 12:39
